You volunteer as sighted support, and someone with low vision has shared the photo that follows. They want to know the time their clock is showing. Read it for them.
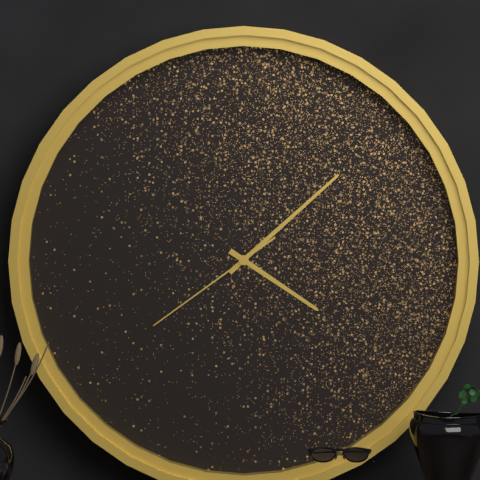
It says 4:08:39
